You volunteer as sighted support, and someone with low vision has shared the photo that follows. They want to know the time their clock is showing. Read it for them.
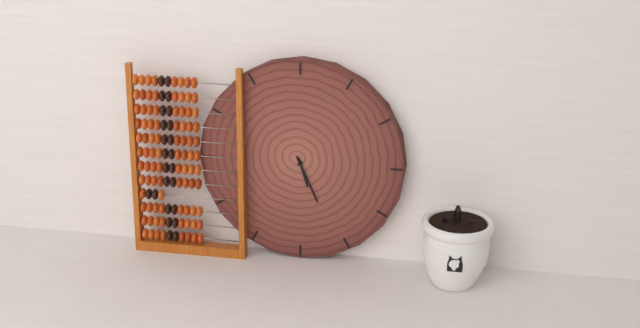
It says 5:26
